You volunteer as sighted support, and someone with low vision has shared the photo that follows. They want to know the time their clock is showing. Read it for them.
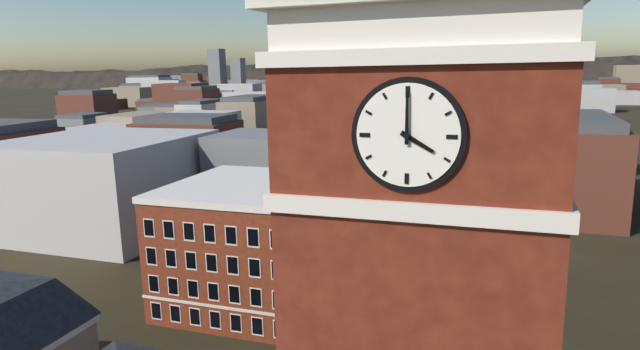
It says 4:00
